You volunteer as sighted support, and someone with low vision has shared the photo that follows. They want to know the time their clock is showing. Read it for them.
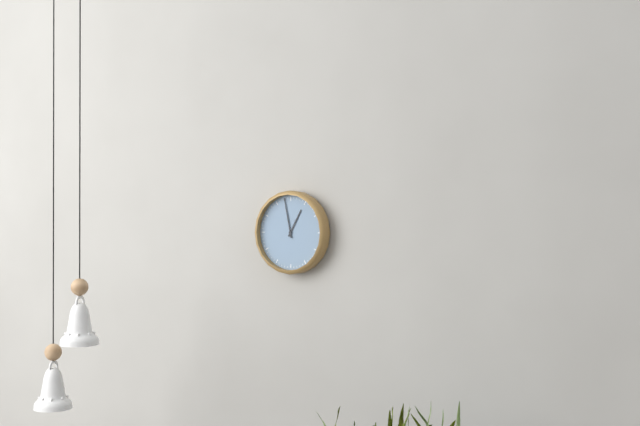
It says 12:58
